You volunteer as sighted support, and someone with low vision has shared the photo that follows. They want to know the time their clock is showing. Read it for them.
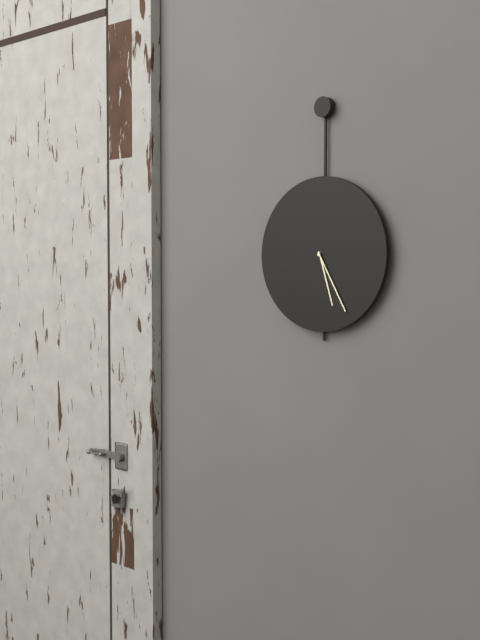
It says 5:25
